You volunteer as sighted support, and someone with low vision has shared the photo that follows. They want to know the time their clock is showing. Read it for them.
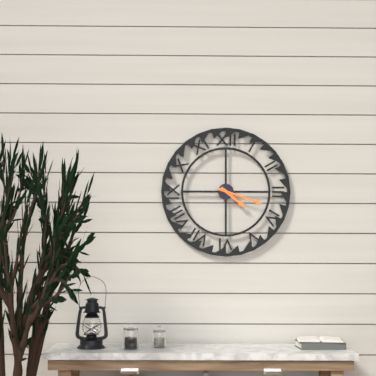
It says 4:18
